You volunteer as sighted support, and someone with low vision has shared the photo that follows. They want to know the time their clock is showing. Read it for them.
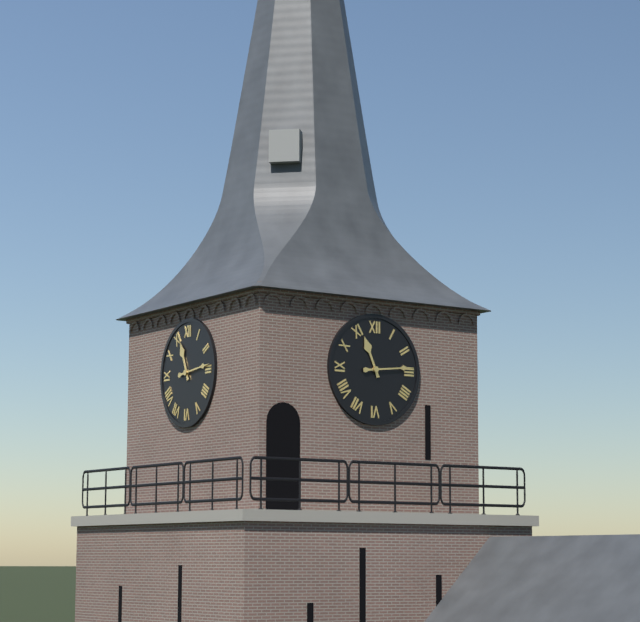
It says 11:14
